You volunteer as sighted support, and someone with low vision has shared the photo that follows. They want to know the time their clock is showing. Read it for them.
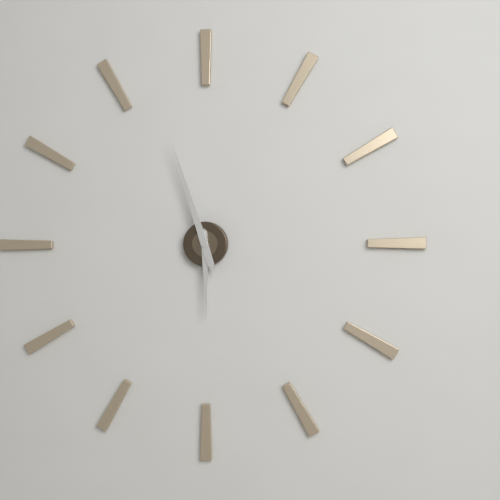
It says 5:57
